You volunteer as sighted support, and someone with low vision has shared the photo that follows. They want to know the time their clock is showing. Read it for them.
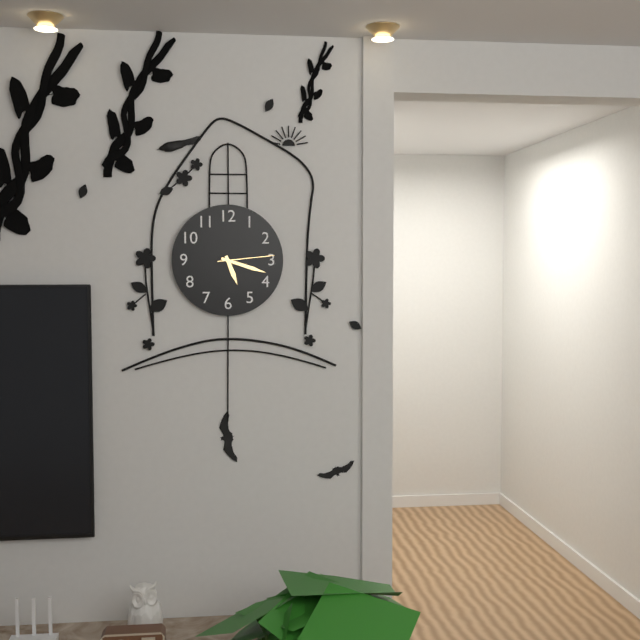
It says 5:18:14
